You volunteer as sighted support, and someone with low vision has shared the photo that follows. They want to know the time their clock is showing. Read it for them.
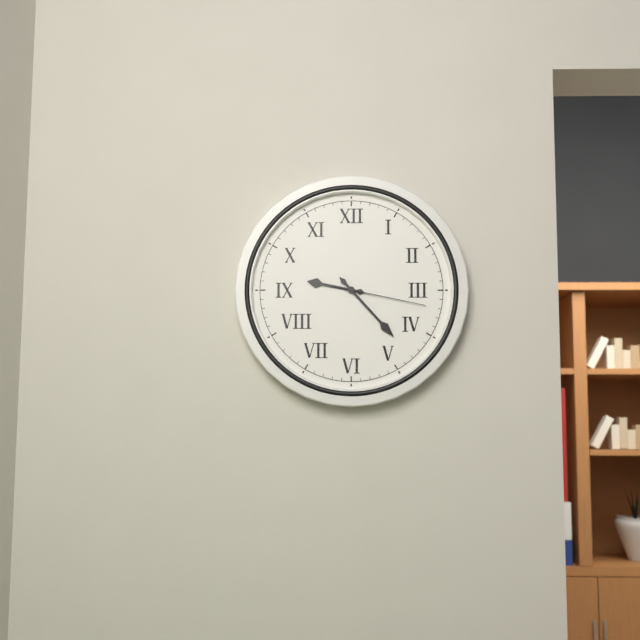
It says 9:23:17
